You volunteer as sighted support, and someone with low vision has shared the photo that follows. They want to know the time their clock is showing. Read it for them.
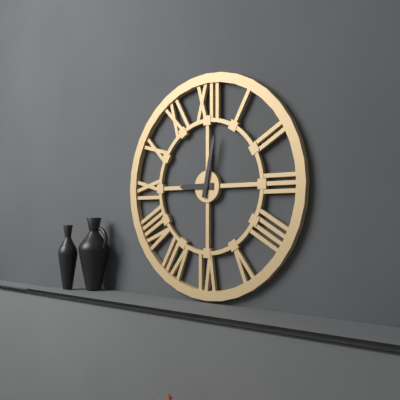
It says 9:02
